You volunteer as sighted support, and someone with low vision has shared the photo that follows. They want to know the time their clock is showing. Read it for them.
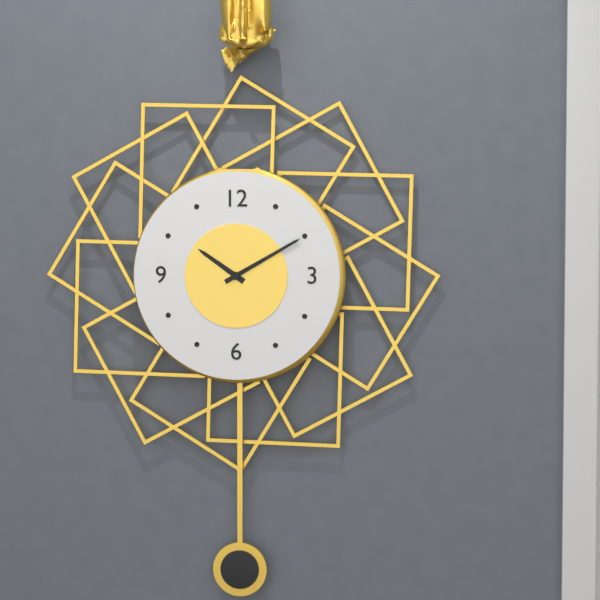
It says 10:10
